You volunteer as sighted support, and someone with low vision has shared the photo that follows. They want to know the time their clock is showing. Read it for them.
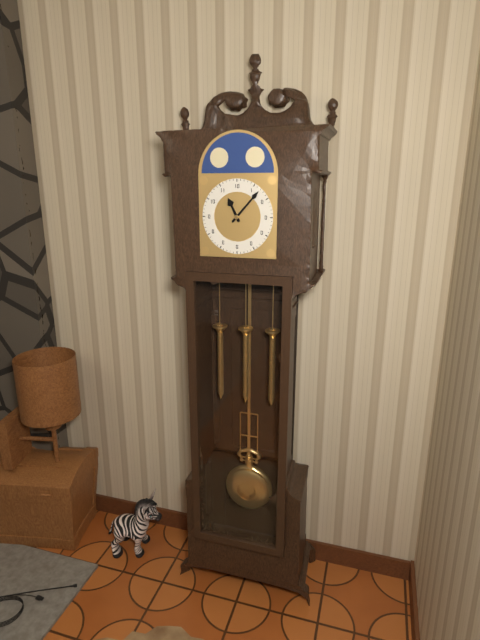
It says 11:07
